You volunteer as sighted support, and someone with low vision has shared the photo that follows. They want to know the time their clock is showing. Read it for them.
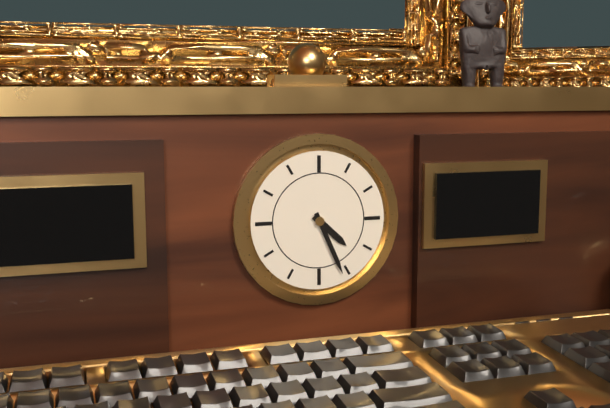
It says 4:26
